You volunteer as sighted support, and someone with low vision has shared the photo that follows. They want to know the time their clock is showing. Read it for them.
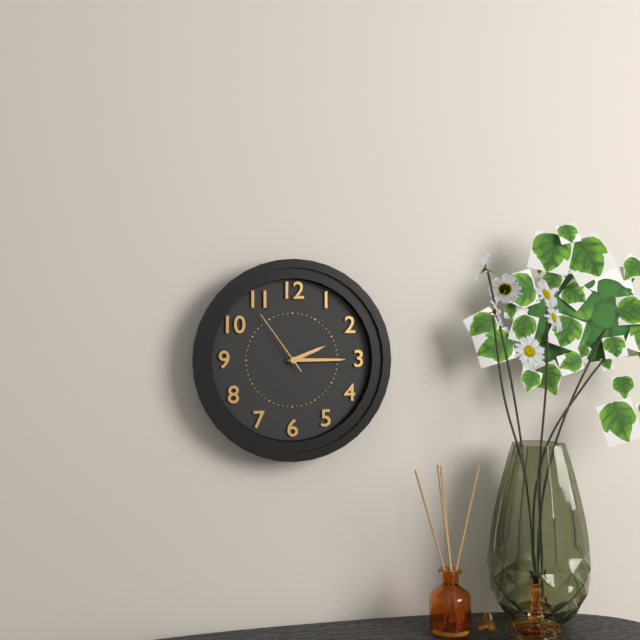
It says 2:15:54
